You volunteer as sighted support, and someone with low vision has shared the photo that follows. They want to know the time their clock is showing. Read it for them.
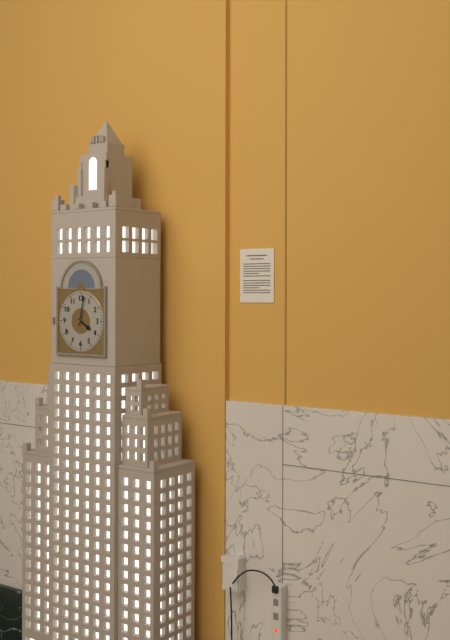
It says 4:02
